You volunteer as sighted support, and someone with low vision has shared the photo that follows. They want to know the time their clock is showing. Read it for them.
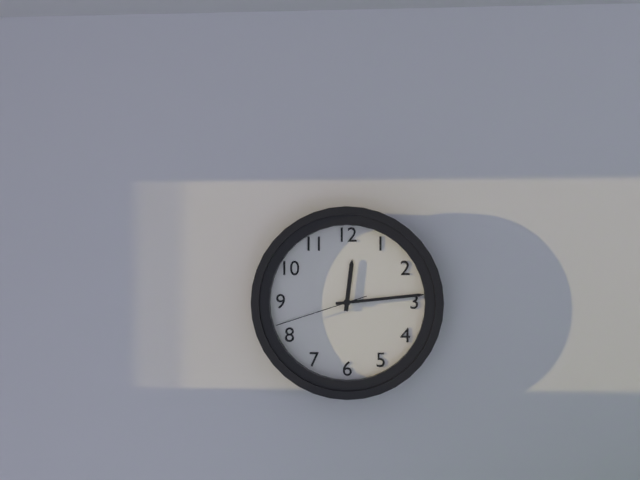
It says 12:14:42
